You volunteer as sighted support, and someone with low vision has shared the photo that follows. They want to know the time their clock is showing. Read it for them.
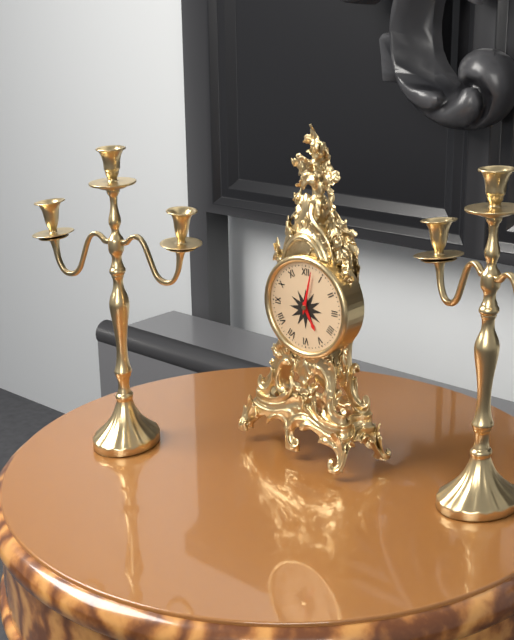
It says 5:02
